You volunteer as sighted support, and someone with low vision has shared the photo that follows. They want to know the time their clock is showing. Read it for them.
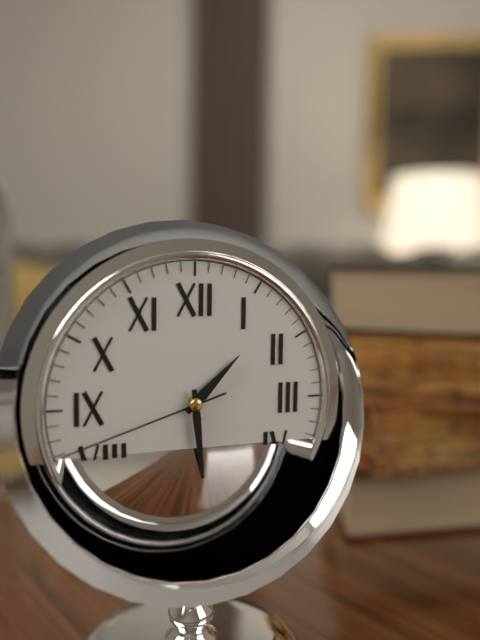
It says 1:29:42
